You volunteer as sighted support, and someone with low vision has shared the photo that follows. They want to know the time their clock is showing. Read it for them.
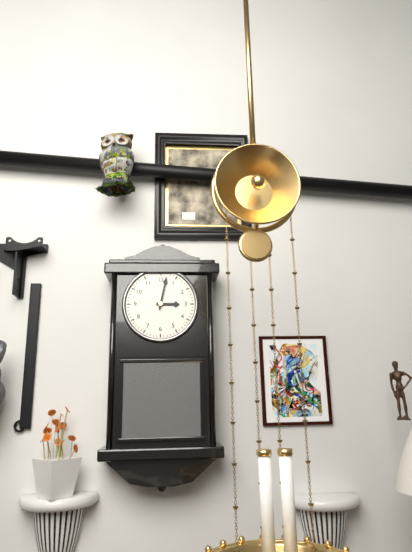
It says 3:02
